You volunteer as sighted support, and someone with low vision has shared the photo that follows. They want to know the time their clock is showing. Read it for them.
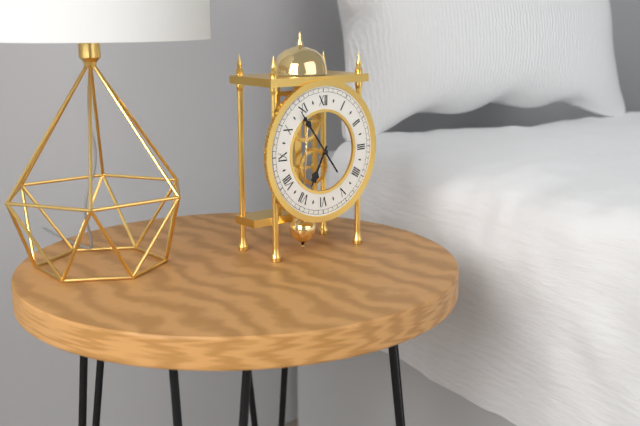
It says 6:54
